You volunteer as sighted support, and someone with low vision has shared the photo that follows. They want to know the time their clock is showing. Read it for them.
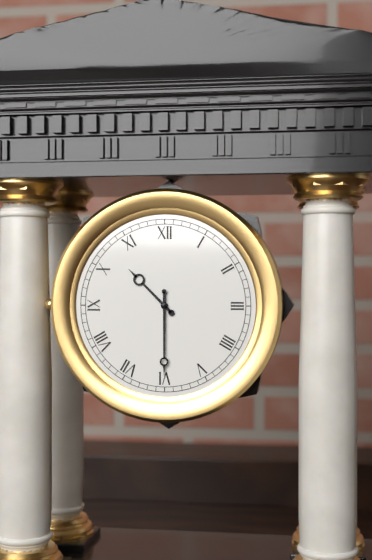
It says 10:30
